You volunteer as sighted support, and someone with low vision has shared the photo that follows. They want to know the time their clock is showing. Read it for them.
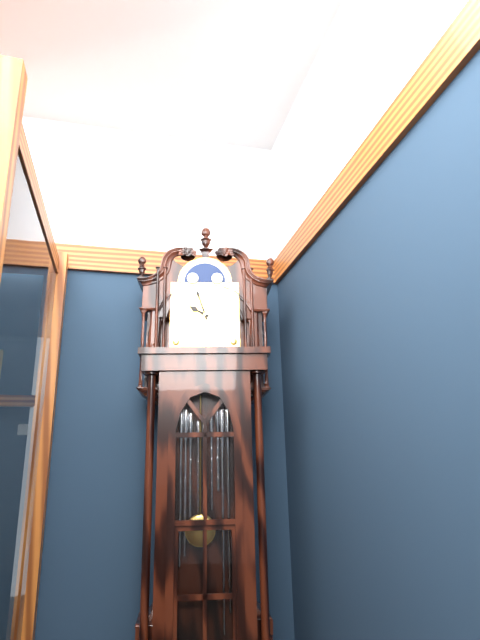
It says 9:57
